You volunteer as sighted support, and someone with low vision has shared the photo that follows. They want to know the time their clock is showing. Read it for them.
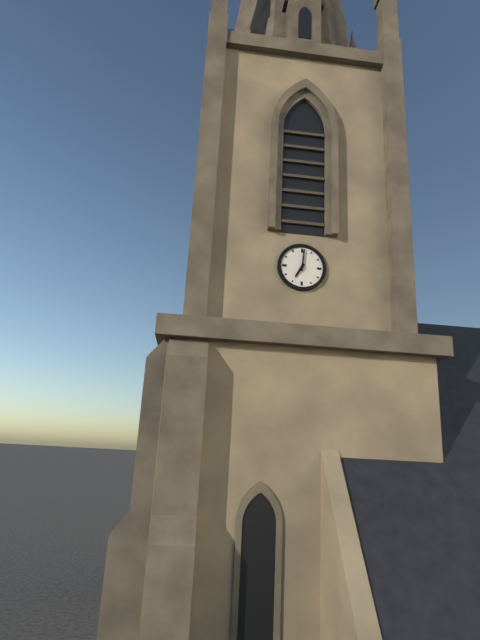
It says 7:01
